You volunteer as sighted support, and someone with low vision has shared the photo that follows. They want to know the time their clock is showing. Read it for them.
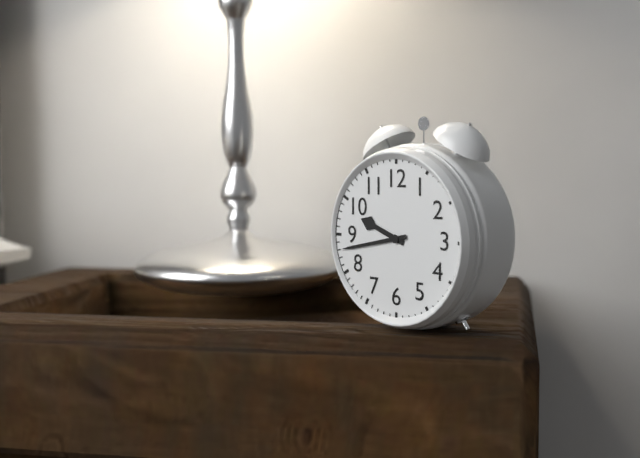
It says 9:43
